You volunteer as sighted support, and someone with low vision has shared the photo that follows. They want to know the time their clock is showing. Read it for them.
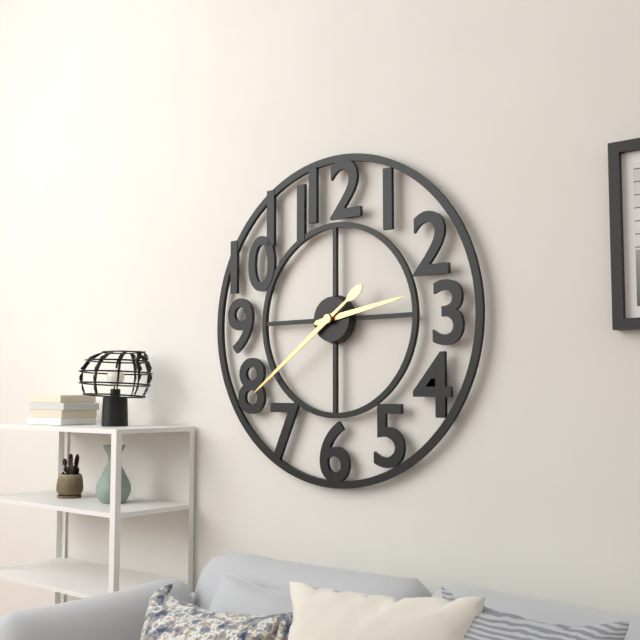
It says 2:39
